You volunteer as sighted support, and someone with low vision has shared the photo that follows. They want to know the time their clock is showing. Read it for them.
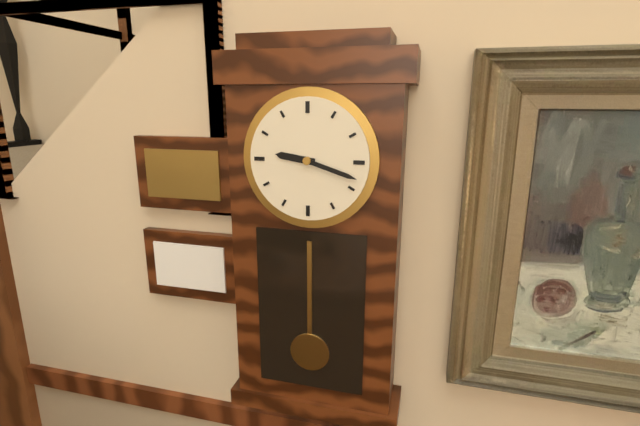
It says 9:18
